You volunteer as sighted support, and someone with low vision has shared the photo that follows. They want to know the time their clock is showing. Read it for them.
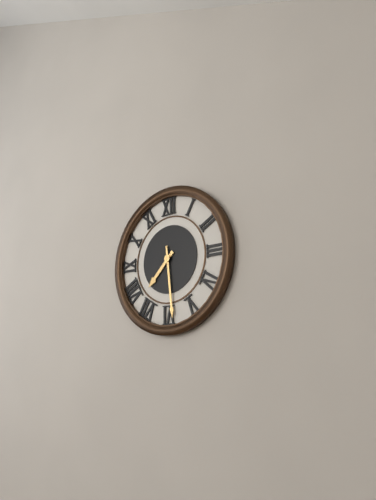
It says 7:29
